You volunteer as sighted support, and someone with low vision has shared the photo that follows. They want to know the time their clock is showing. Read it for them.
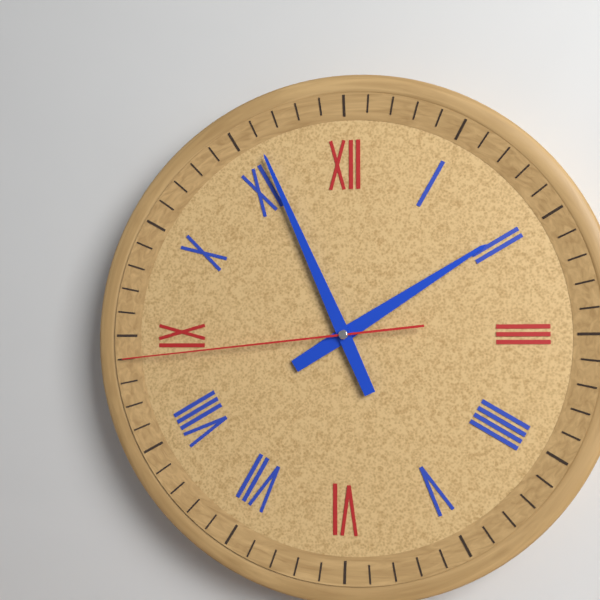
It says 1:56:44
